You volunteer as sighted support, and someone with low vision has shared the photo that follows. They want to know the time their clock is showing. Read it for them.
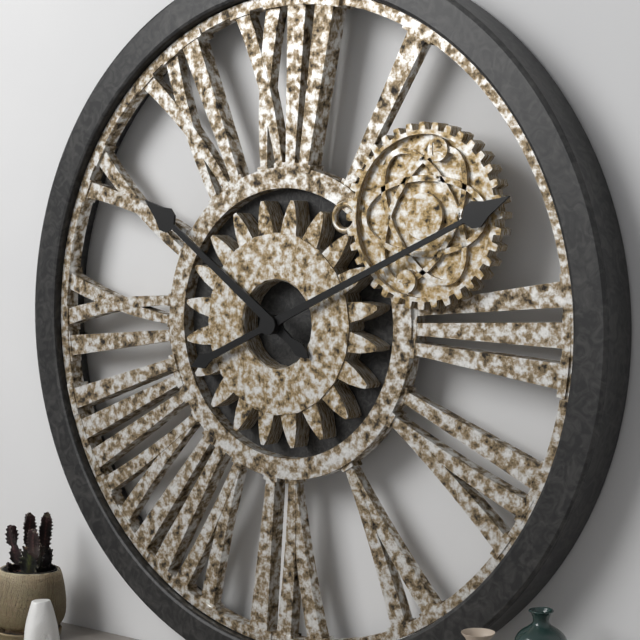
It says 10:11
